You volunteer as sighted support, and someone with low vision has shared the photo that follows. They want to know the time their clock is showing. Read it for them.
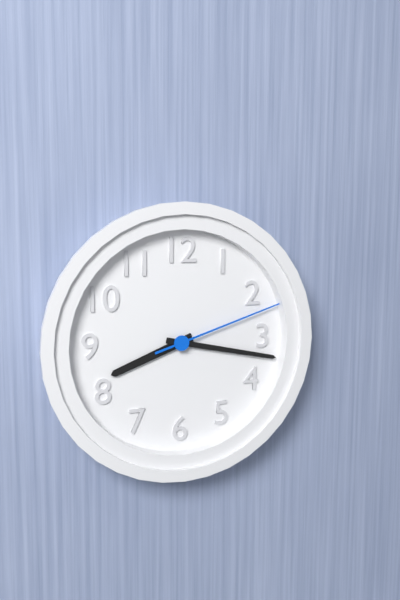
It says 8:17:12
